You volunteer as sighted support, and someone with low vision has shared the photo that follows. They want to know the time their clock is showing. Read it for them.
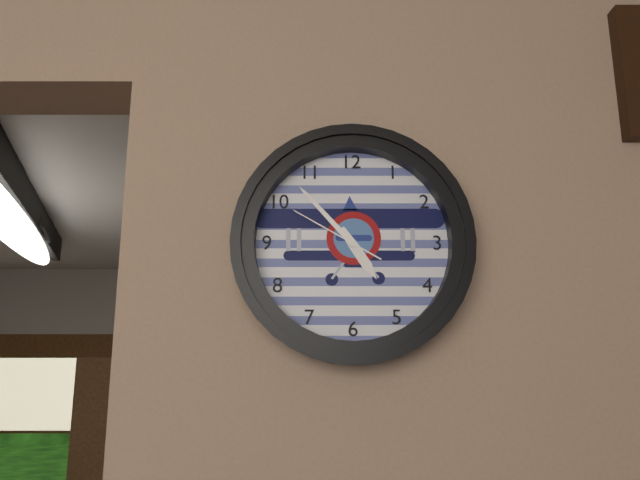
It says 4:53:50
